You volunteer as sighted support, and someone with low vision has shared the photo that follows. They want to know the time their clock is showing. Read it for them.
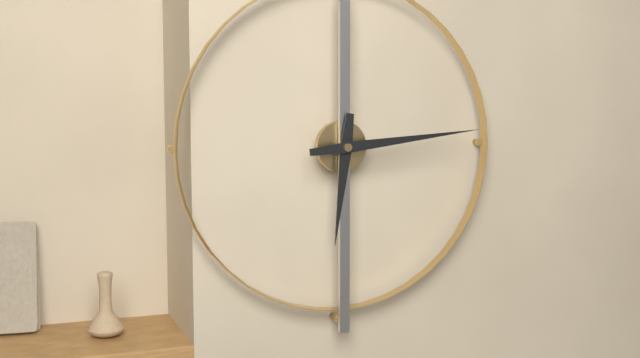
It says 6:14
